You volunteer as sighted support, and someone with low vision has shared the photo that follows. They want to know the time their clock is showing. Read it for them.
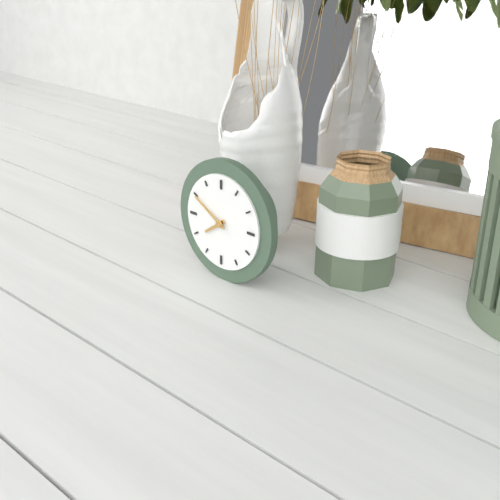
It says 7:50
